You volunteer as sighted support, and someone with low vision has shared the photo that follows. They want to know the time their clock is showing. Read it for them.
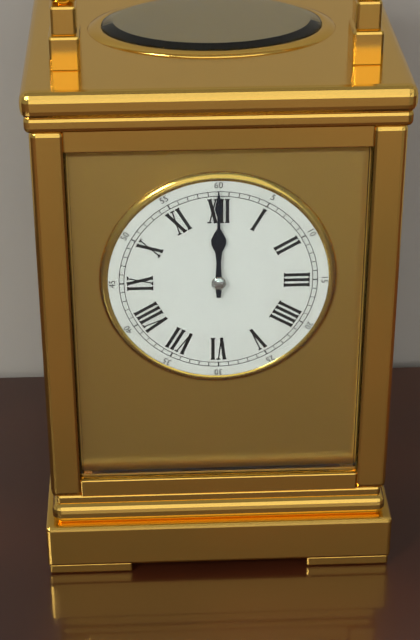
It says 12:00
